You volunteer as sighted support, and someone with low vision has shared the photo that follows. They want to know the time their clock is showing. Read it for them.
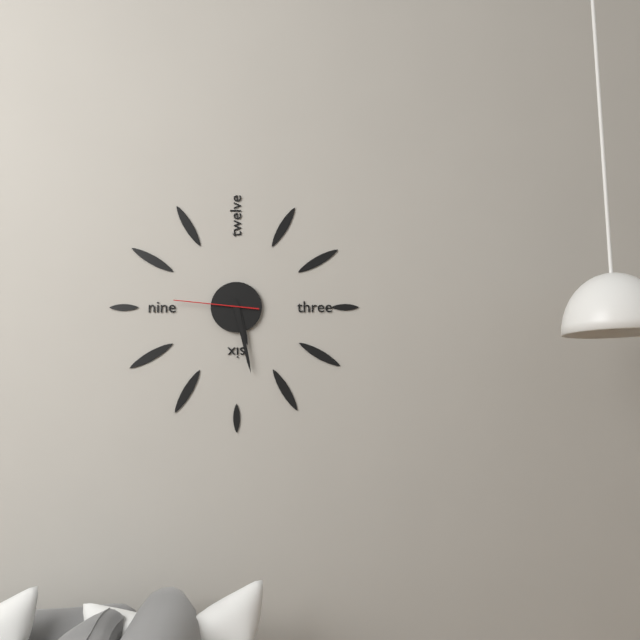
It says 5:28:46
